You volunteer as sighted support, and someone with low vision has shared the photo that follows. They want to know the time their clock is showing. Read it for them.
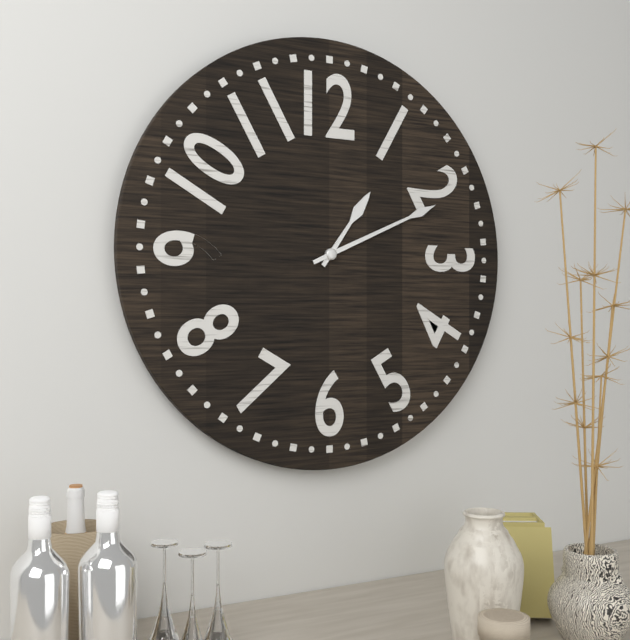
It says 1:11
